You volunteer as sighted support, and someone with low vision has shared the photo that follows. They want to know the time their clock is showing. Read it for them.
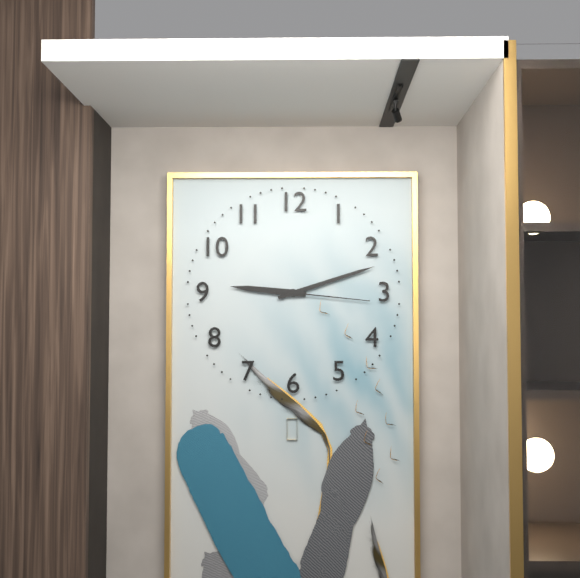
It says 9:12:16
